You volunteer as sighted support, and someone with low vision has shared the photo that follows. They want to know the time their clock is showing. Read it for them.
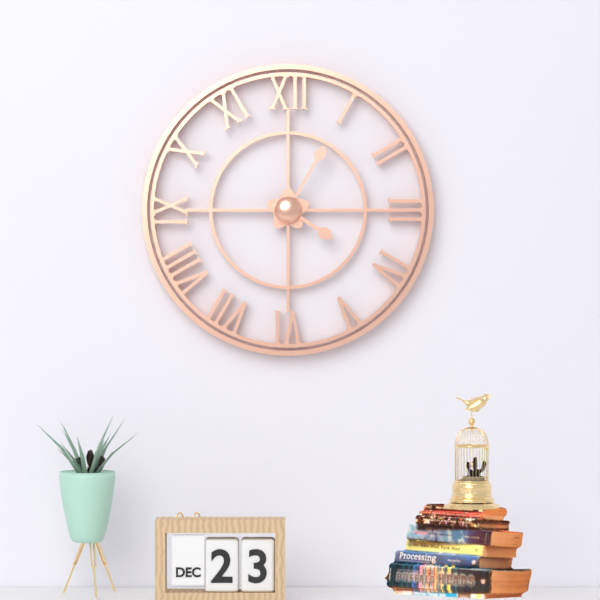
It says 4:05
